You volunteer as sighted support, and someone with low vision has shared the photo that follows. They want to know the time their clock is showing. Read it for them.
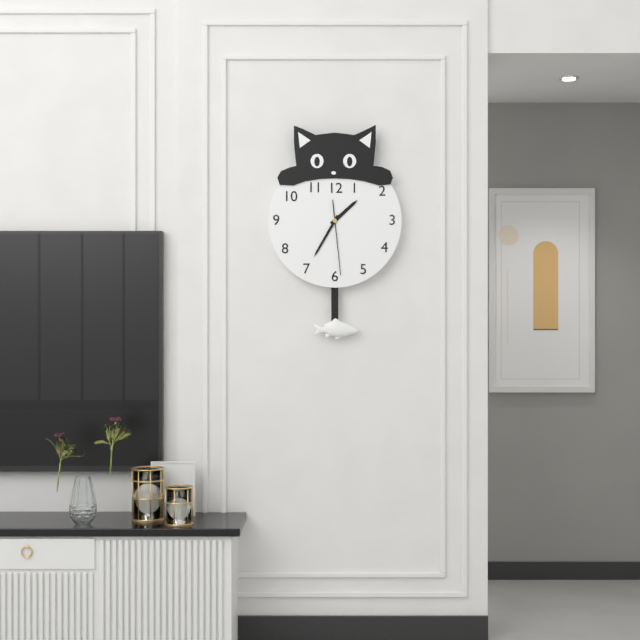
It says 1:35:29
